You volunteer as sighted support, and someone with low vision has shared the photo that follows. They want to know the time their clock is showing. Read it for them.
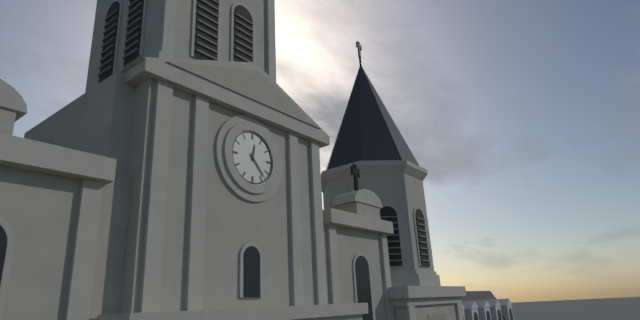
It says 12:23
